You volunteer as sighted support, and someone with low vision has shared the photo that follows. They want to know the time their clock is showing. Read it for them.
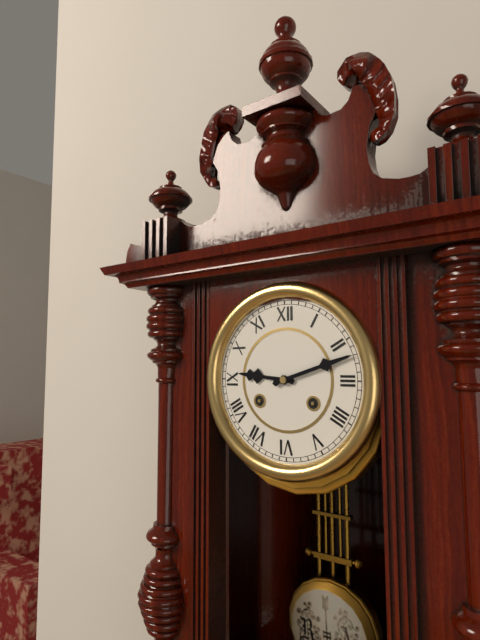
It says 9:12
